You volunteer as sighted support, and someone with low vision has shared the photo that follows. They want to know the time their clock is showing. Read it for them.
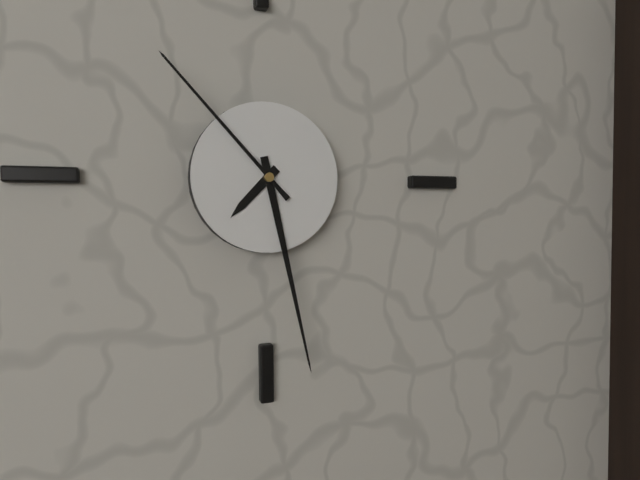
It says 7:28:53
